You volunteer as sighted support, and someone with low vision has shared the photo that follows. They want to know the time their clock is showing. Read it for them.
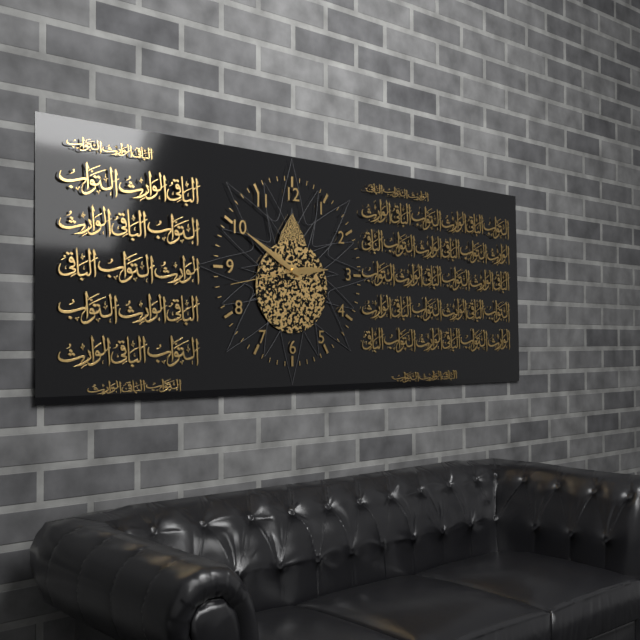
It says 2:50:43
